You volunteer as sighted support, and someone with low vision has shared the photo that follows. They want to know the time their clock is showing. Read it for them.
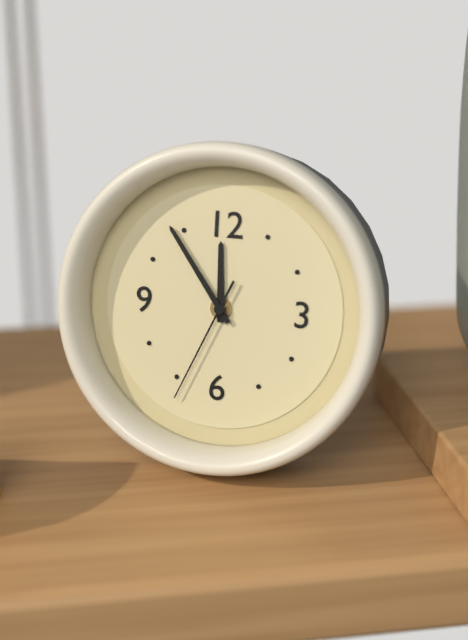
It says 11:54:34
